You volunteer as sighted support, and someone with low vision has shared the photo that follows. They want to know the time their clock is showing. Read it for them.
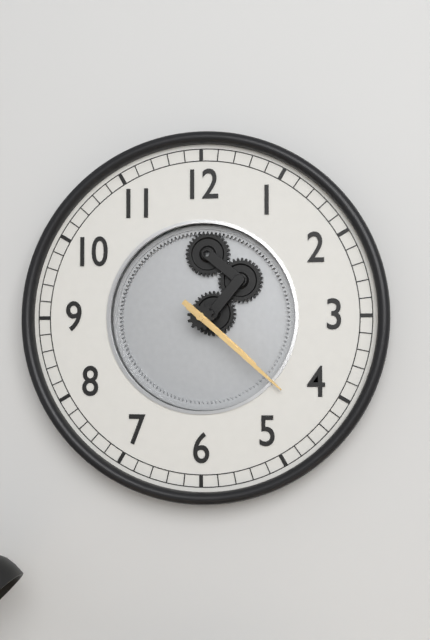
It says 4:22
